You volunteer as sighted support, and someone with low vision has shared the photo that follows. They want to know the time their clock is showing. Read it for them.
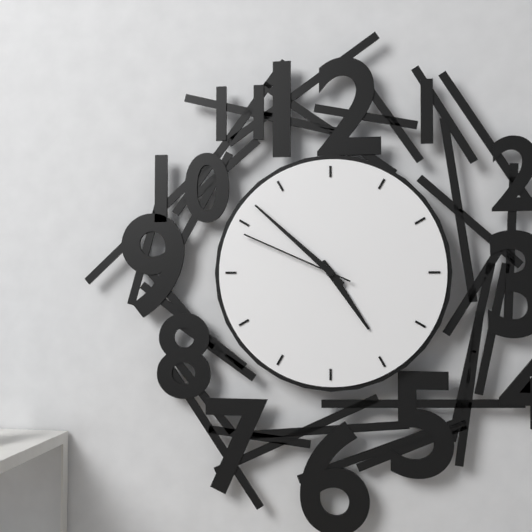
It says 4:52:49
